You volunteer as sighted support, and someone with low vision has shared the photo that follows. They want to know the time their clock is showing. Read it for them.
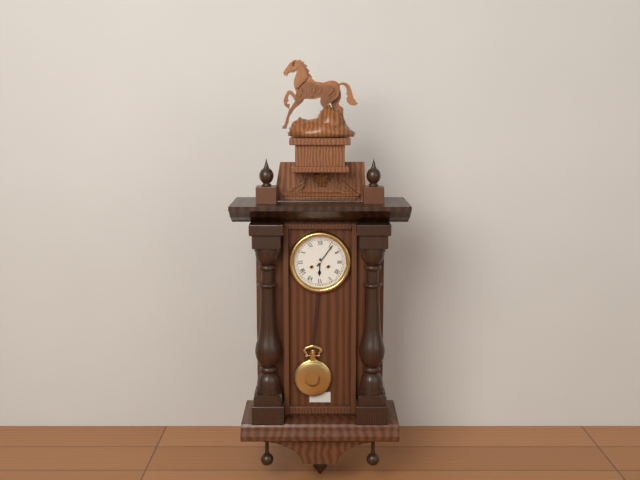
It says 6:06
